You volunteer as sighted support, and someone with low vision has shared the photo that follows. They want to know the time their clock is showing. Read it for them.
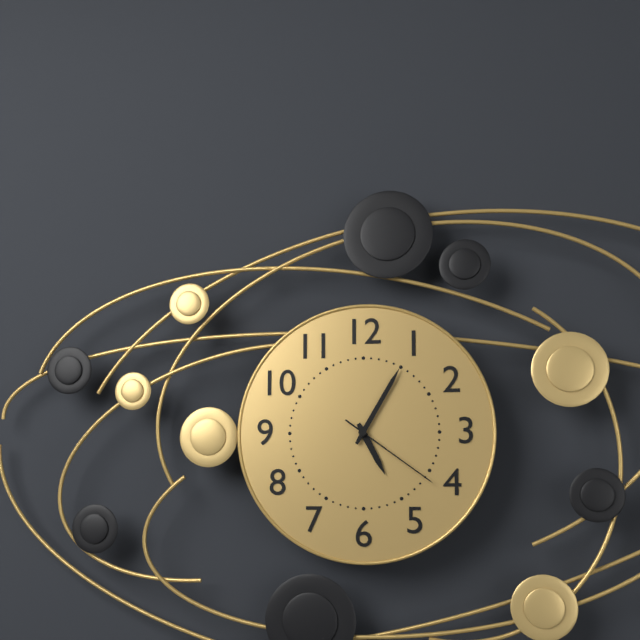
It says 5:05:21
